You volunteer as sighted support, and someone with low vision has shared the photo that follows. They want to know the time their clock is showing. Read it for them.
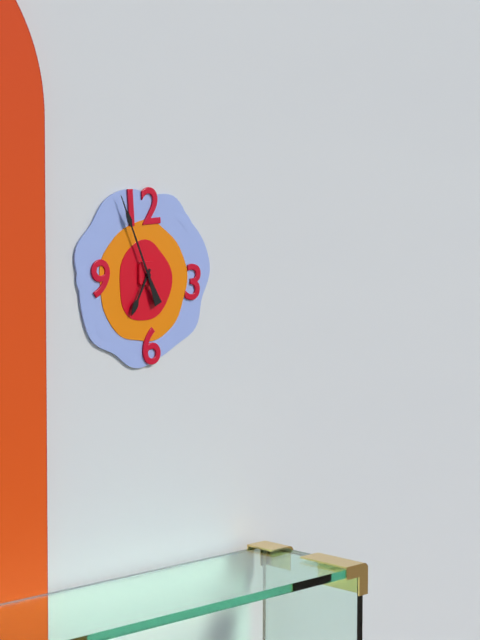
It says 6:56
